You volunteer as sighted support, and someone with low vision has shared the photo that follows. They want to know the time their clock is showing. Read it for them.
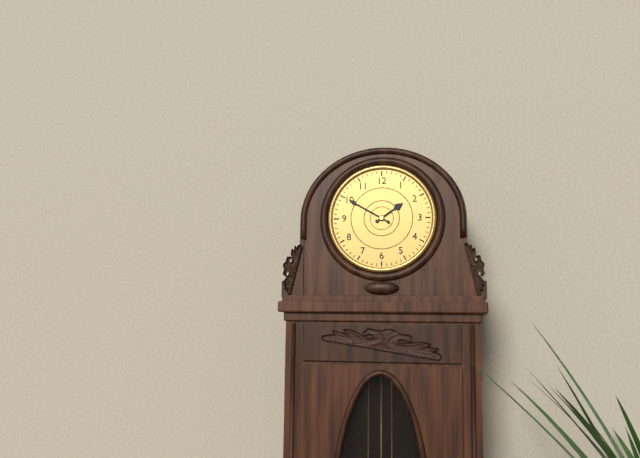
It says 1:50
